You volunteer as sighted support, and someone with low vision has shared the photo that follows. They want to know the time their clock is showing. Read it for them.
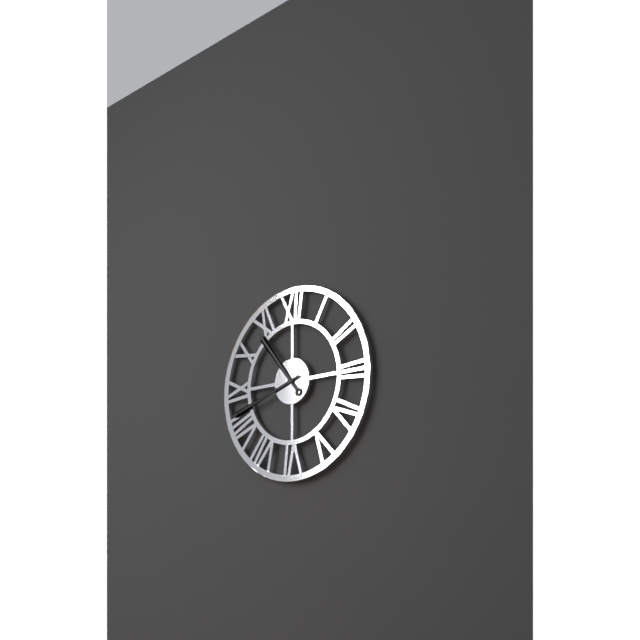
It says 10:42
